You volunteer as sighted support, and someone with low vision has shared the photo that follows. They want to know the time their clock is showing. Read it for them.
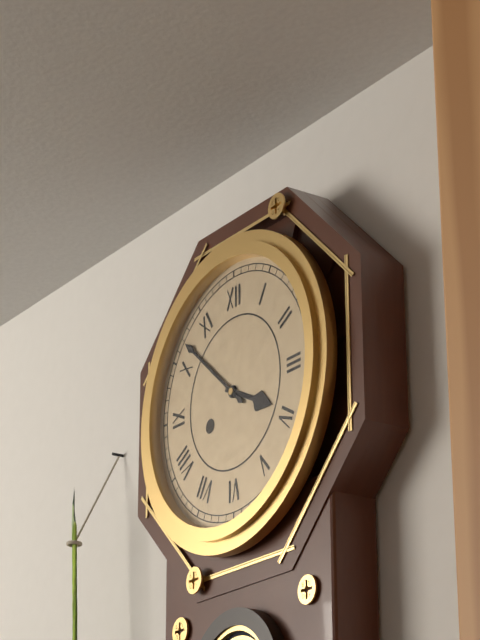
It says 3:52
